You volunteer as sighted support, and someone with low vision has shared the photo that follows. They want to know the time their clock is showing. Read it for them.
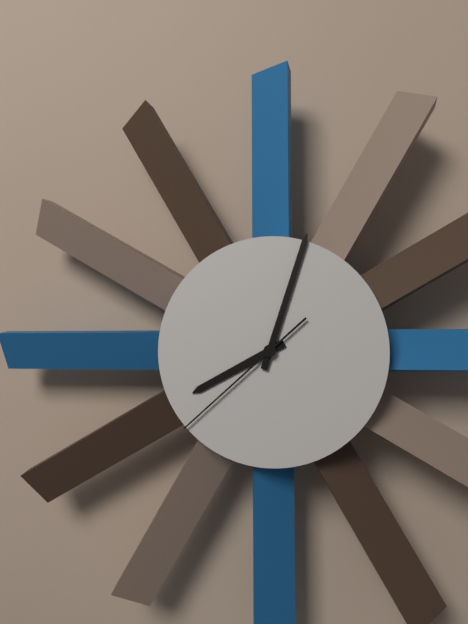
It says 8:03:38
